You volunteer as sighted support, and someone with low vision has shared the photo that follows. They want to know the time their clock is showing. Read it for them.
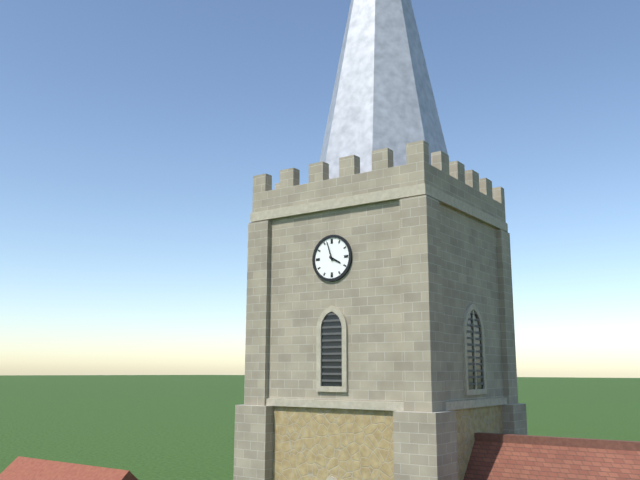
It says 3:57
